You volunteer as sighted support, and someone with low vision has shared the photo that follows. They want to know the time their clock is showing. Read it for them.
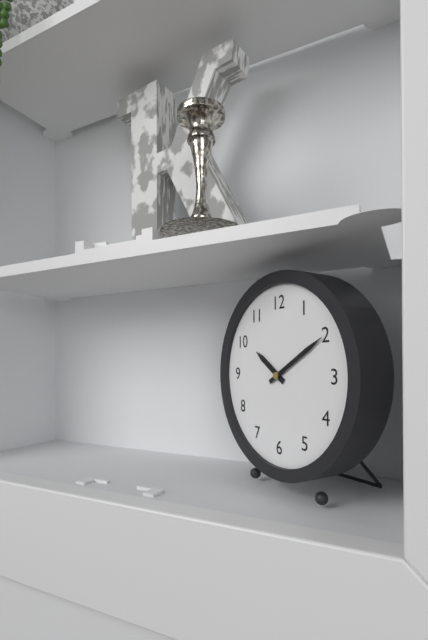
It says 10:10
